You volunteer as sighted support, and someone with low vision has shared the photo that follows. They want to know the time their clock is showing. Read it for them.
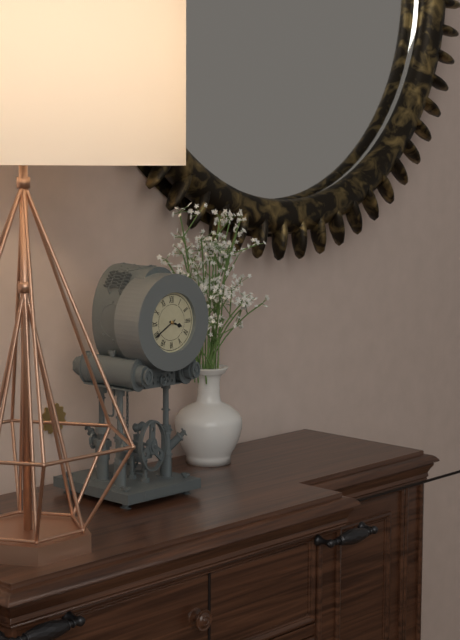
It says 3:40
